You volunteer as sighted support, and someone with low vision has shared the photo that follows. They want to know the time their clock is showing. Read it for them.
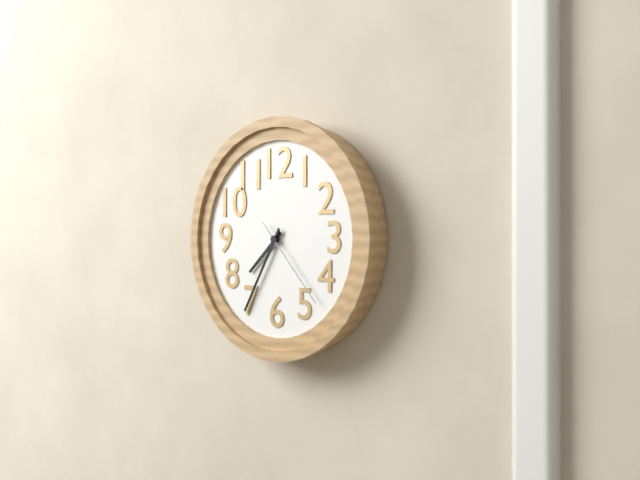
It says 7:35:23
